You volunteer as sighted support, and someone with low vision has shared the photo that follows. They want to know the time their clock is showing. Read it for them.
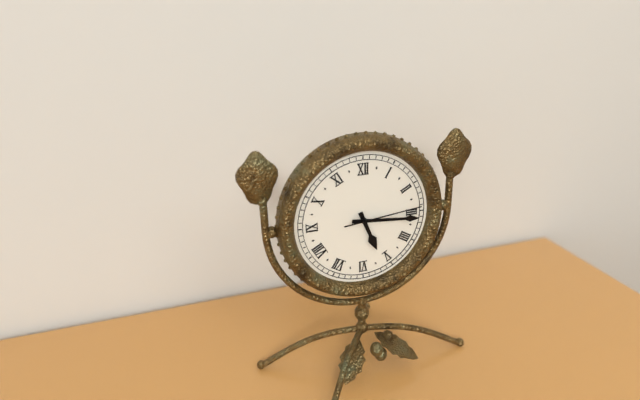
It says 5:16:14
